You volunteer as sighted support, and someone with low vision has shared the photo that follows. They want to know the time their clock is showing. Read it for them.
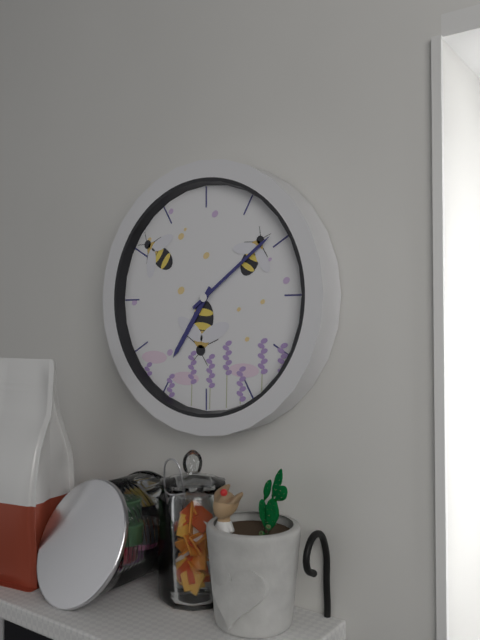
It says 7:09
